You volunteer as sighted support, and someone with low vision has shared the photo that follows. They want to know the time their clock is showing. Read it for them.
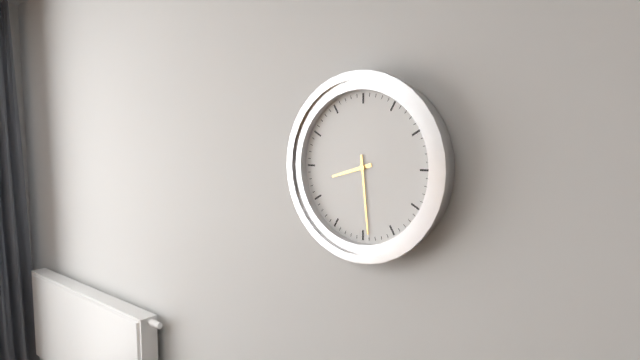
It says 8:29
